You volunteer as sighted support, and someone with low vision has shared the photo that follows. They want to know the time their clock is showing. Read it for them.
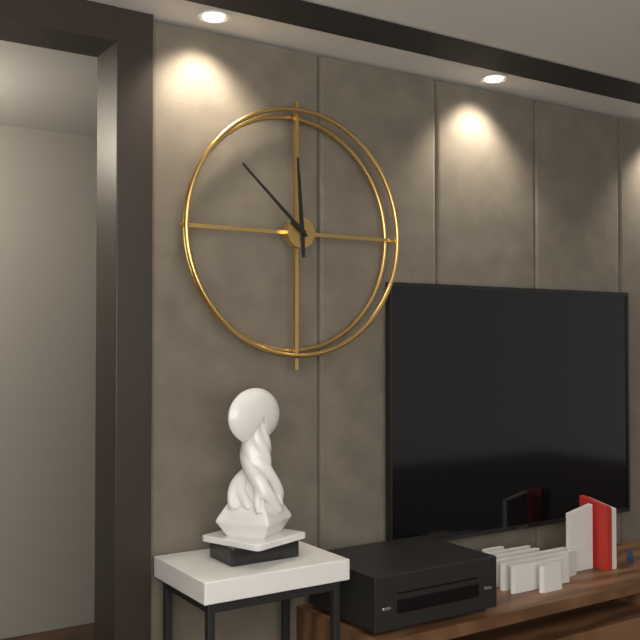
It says 11:52
